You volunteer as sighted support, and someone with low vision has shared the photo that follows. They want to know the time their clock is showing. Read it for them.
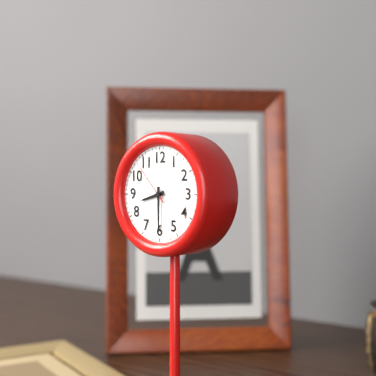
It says 8:30:53
